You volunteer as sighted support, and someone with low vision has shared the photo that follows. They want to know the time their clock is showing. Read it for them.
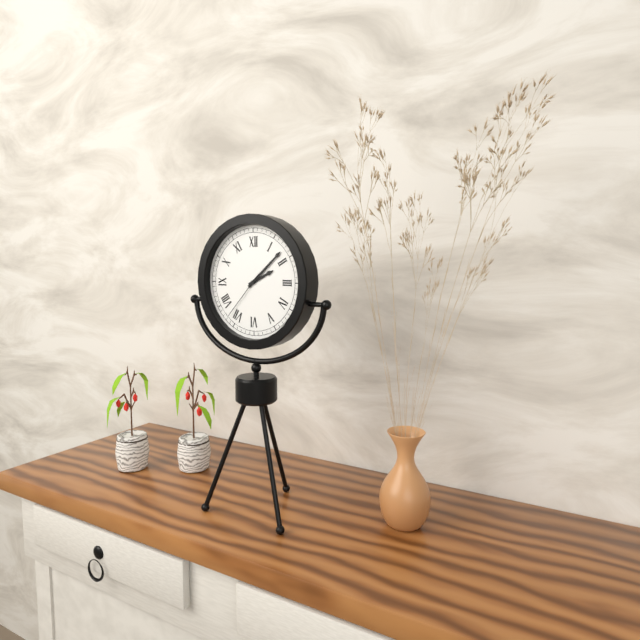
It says 2:08:37
